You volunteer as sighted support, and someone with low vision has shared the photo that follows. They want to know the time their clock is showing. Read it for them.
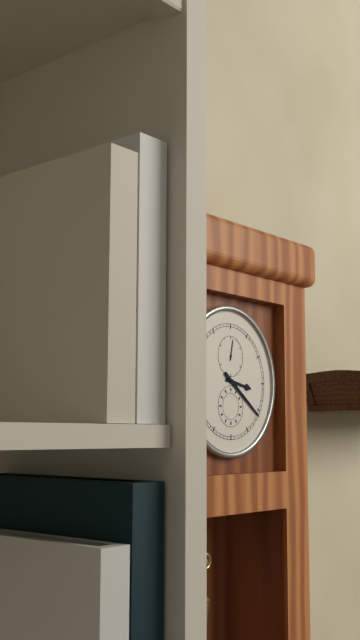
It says 3:21
